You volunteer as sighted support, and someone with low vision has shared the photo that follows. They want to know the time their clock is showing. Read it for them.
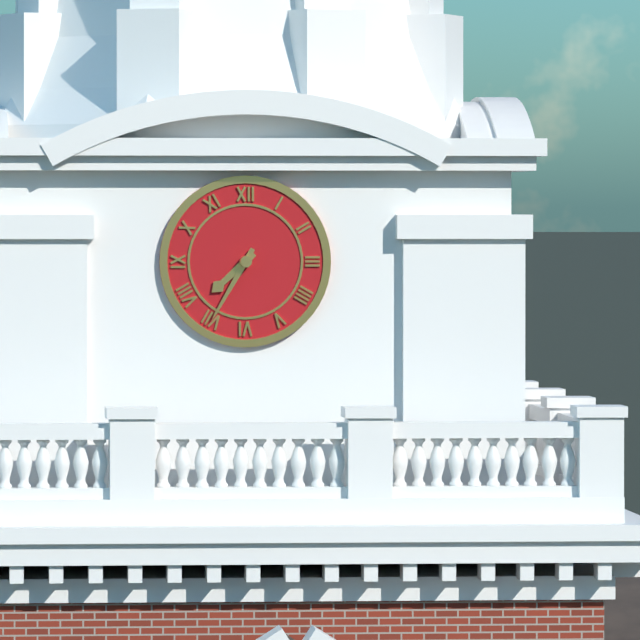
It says 7:35
